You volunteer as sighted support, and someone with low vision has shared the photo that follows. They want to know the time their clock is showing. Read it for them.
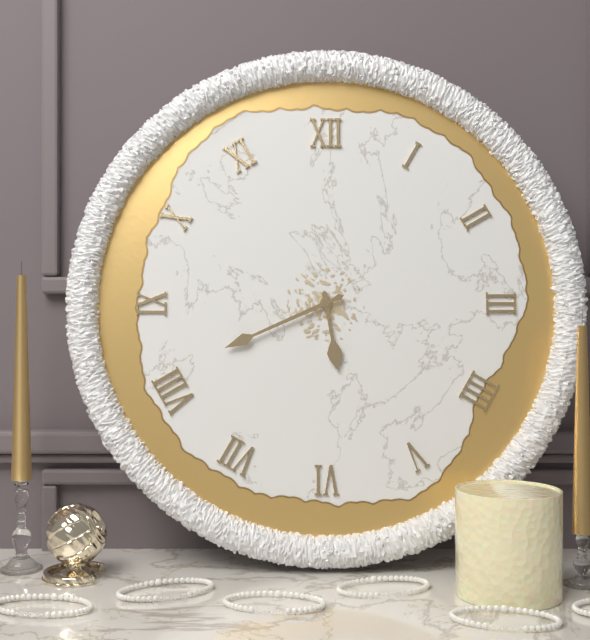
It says 5:41
